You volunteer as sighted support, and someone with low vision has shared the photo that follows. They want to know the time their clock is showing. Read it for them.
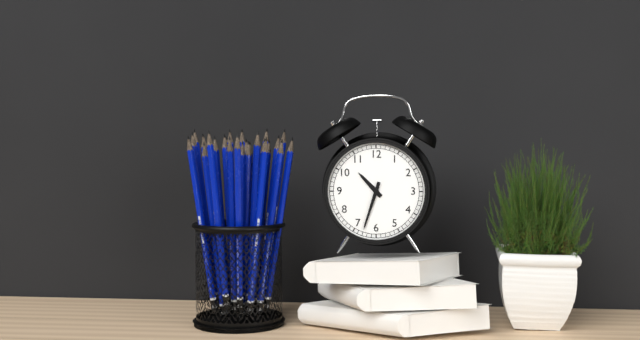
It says 10:33
